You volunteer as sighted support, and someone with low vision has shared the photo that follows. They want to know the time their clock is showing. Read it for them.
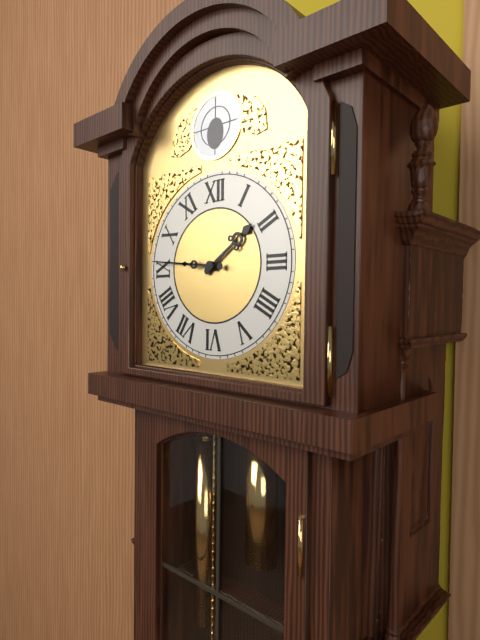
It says 1:46
